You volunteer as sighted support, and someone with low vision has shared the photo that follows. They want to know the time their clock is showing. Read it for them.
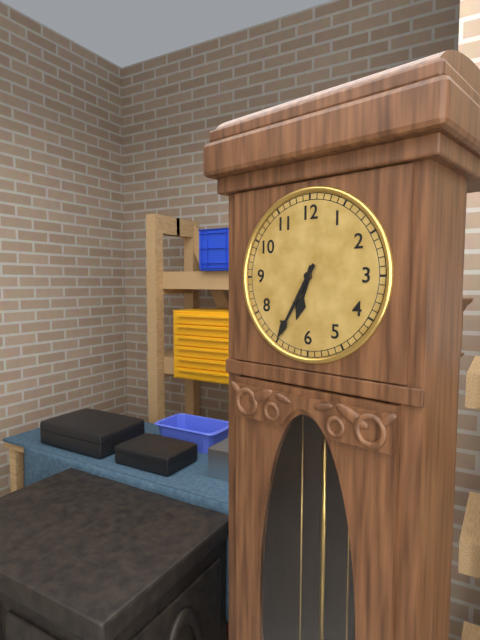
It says 6:35
